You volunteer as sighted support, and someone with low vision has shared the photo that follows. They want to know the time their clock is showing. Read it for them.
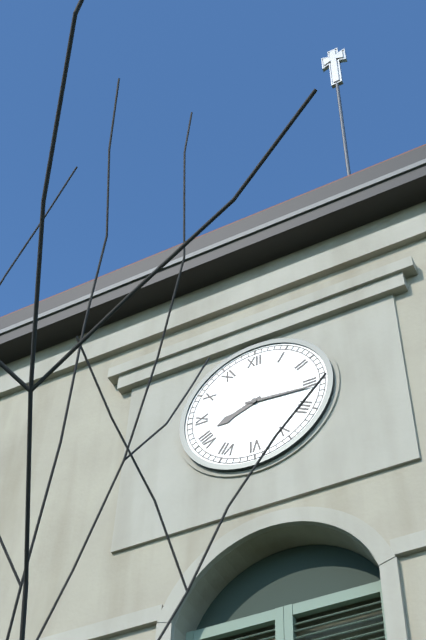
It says 8:16
